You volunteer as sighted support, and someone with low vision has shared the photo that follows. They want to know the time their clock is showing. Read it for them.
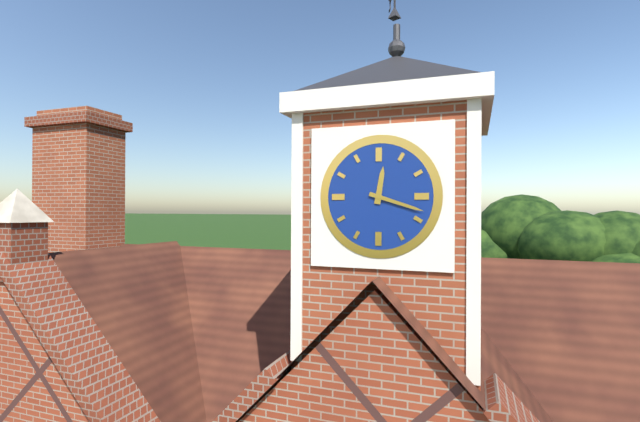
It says 12:18
